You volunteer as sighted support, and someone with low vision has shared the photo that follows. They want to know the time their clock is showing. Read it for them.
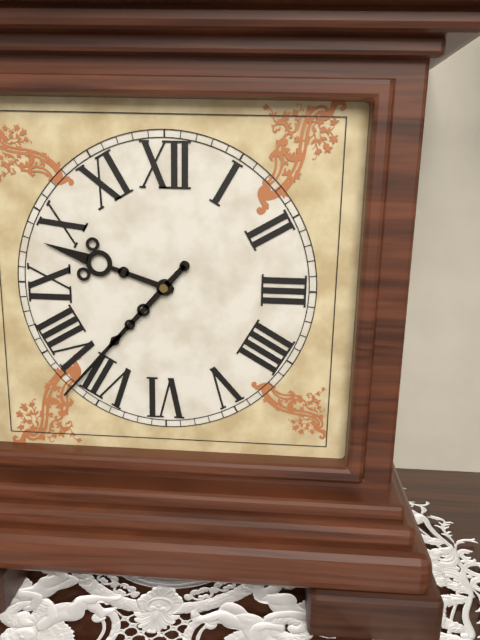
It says 9:37
